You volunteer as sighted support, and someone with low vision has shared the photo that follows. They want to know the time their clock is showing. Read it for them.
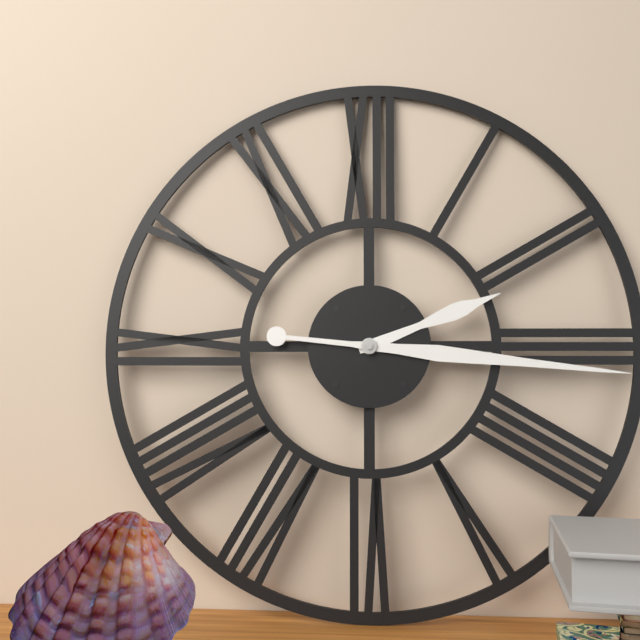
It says 2:16
